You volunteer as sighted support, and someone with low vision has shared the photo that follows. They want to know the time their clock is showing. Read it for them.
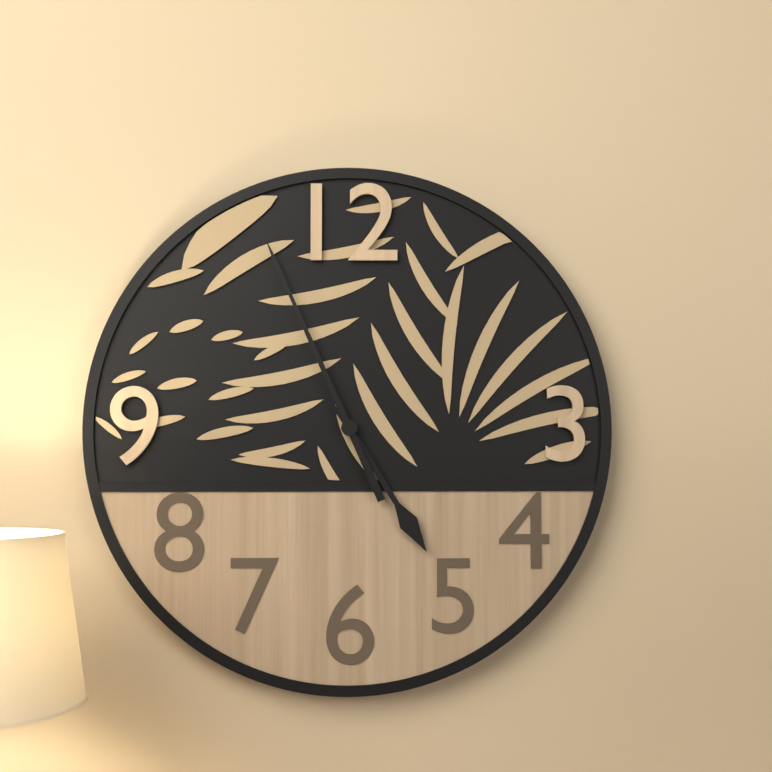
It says 4:56
